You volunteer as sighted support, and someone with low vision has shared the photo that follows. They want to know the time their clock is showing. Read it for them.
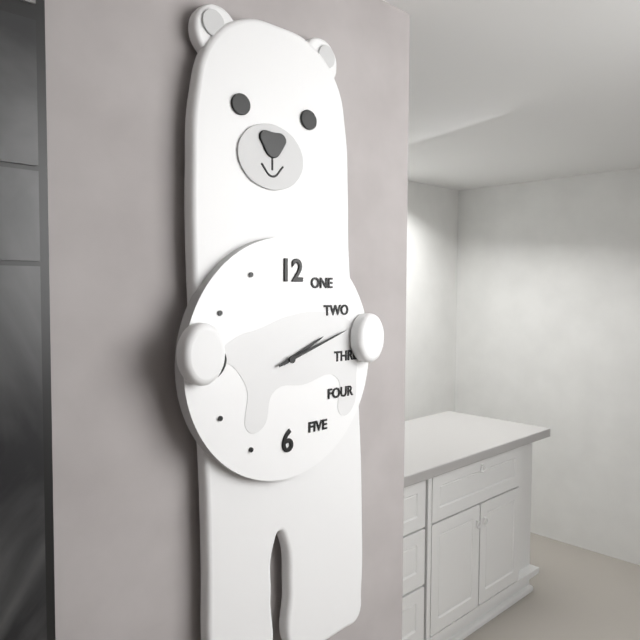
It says 2:12
